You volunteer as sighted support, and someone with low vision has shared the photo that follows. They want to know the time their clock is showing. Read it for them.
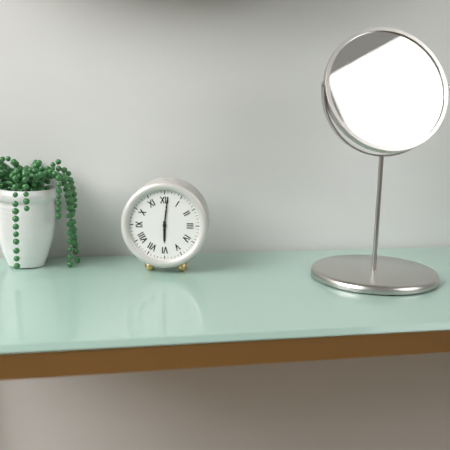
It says 6:01
